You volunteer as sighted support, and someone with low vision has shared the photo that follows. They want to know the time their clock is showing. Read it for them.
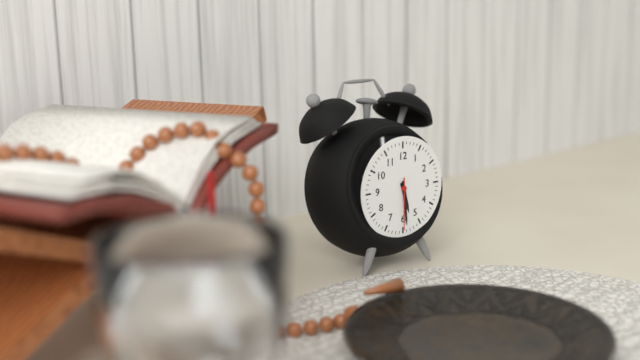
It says 5:29:30
